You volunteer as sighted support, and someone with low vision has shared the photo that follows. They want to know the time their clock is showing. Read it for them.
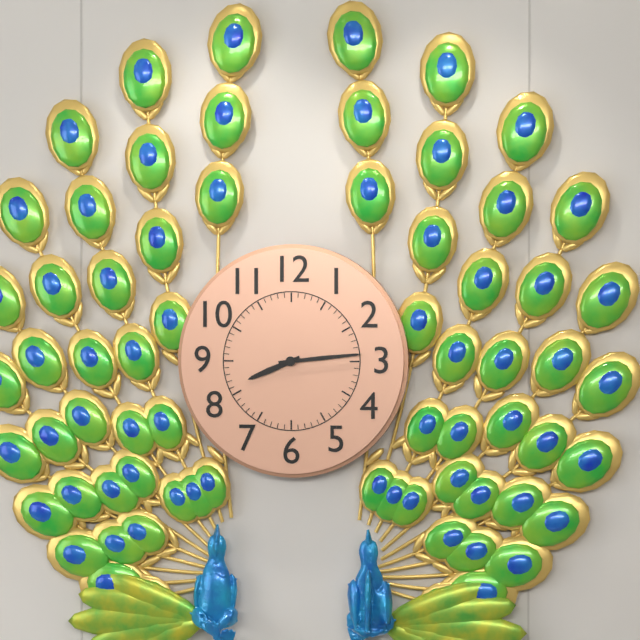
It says 8:14
